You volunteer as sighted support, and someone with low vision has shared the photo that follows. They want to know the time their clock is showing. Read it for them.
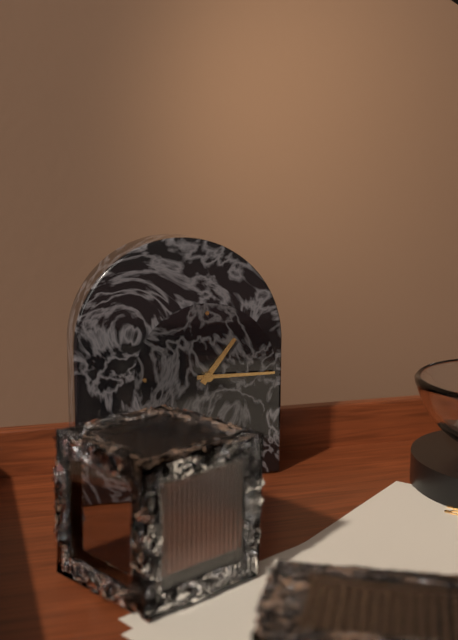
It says 1:15
